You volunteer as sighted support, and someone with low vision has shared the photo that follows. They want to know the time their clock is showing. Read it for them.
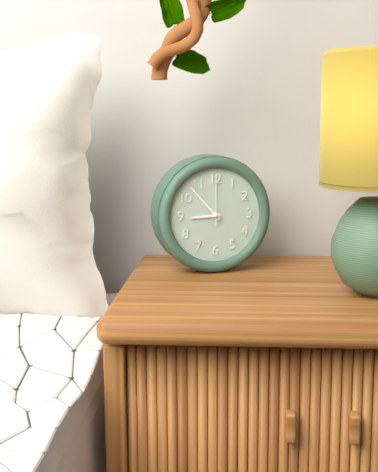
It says 8:53:00
